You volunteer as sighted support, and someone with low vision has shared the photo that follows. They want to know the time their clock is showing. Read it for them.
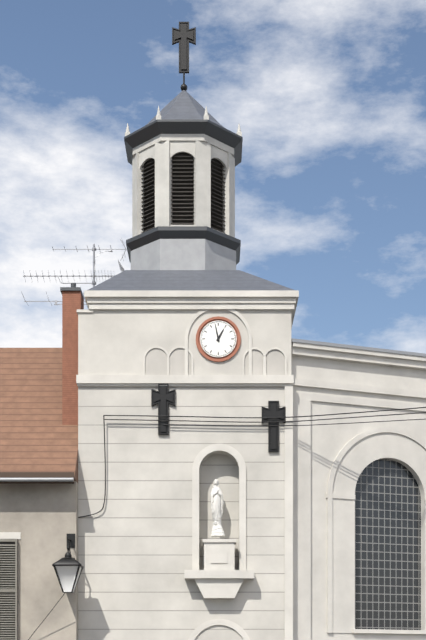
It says 12:58
